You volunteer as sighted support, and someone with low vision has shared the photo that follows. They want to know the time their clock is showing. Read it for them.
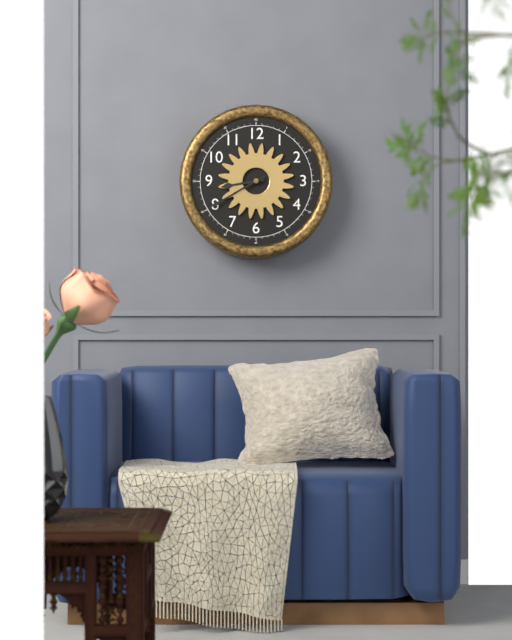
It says 8:40
